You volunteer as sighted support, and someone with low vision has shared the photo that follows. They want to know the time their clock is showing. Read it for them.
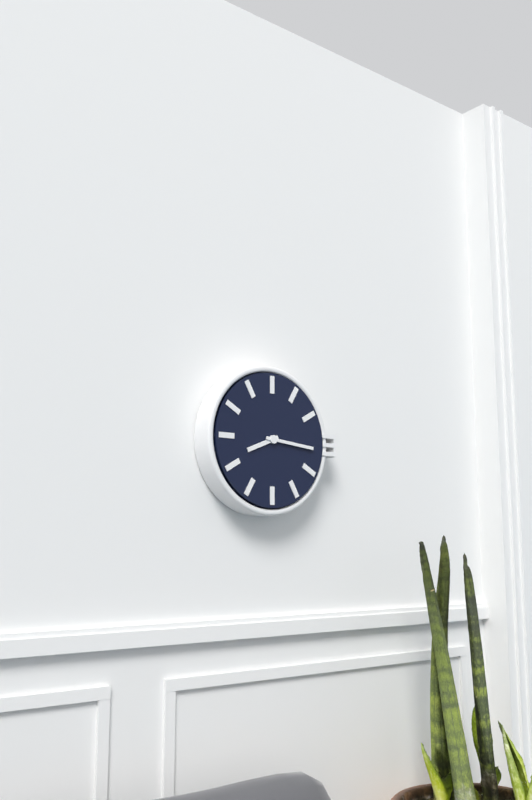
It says 8:16
